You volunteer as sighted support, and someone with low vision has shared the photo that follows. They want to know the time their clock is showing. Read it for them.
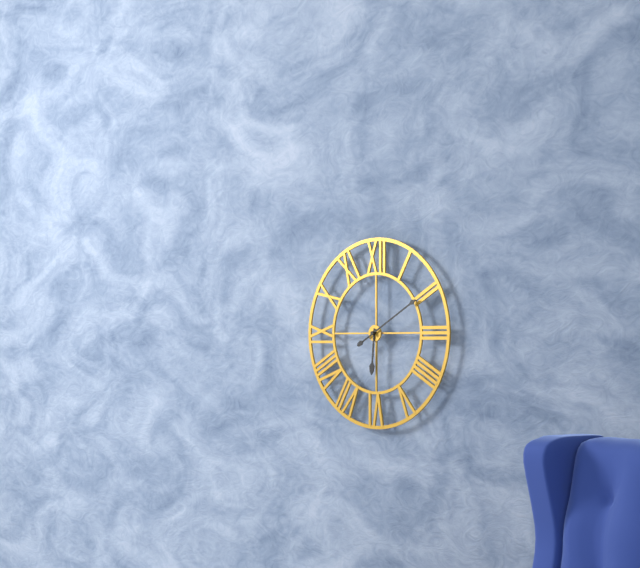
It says 6:10
